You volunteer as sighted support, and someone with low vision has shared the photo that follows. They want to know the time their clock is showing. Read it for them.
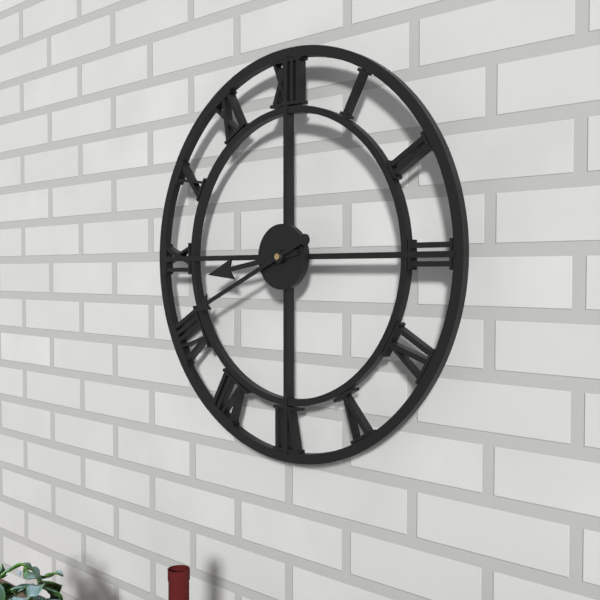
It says 8:41
